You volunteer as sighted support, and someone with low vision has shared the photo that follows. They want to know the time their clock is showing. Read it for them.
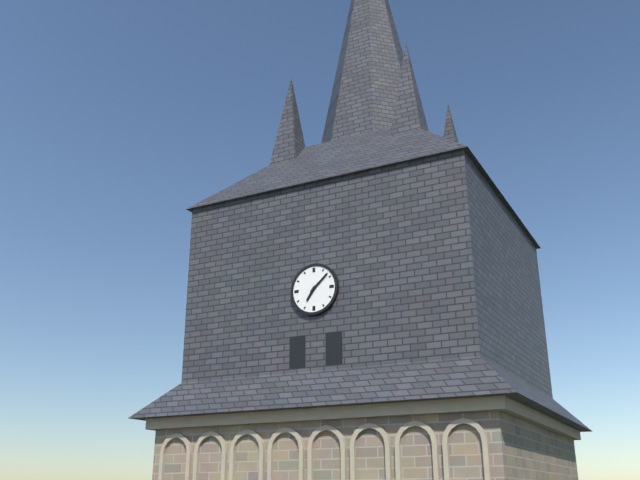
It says 7:08
